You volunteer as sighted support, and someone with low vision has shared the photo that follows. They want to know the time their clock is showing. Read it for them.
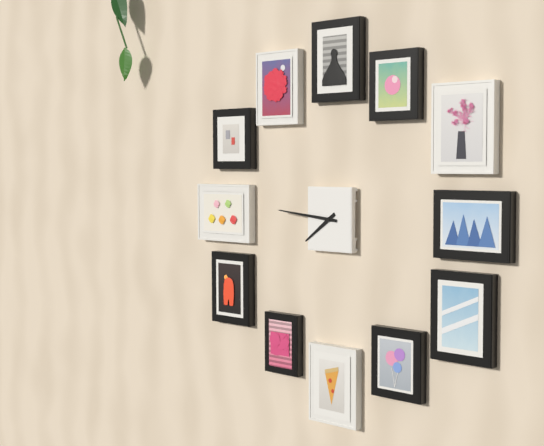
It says 7:46
